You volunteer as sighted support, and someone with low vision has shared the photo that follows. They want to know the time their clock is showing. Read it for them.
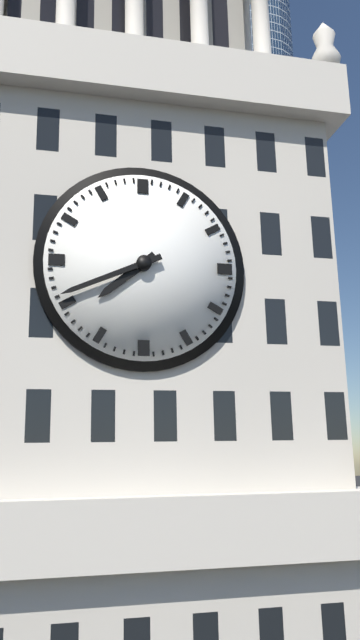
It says 7:41
